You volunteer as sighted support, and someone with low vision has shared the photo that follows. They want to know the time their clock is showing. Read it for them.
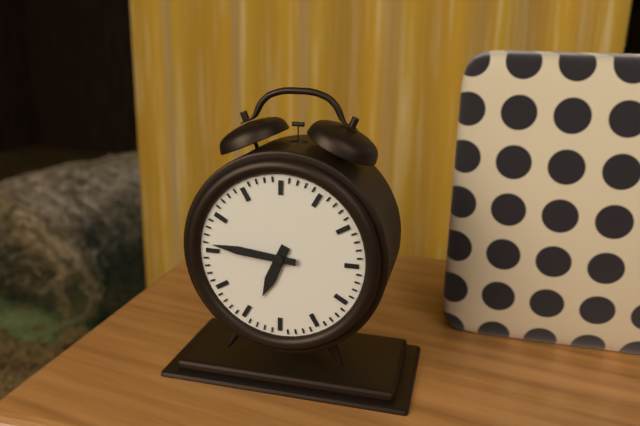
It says 6:46
